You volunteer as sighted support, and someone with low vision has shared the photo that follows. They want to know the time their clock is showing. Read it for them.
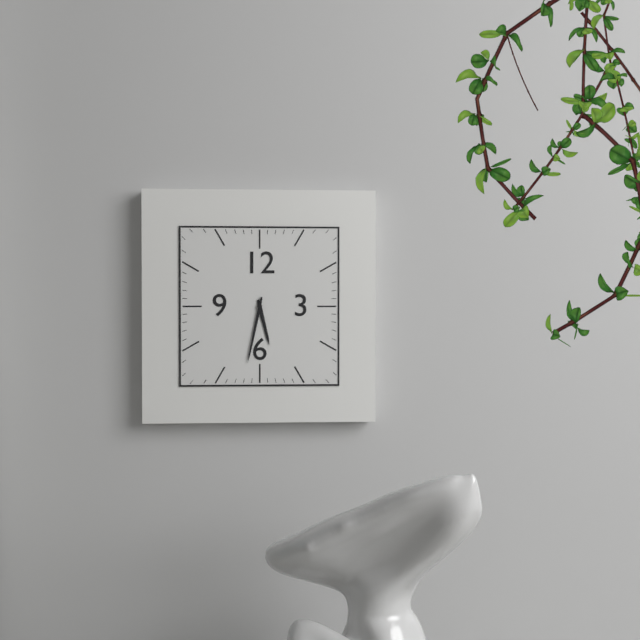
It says 5:32
